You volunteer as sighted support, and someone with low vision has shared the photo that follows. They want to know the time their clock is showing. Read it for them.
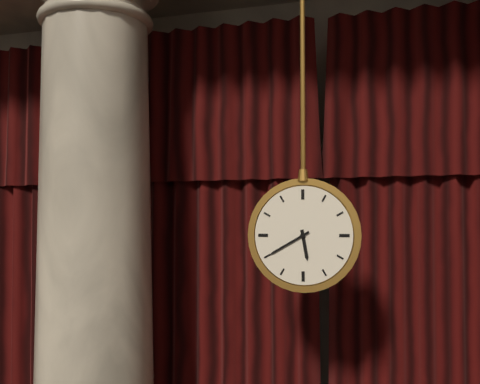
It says 5:40
